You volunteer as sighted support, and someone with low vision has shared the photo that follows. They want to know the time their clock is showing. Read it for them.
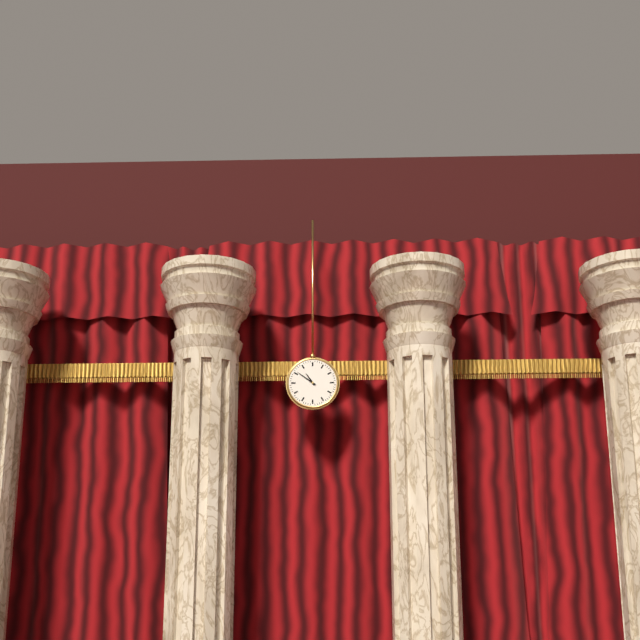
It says 10:51
